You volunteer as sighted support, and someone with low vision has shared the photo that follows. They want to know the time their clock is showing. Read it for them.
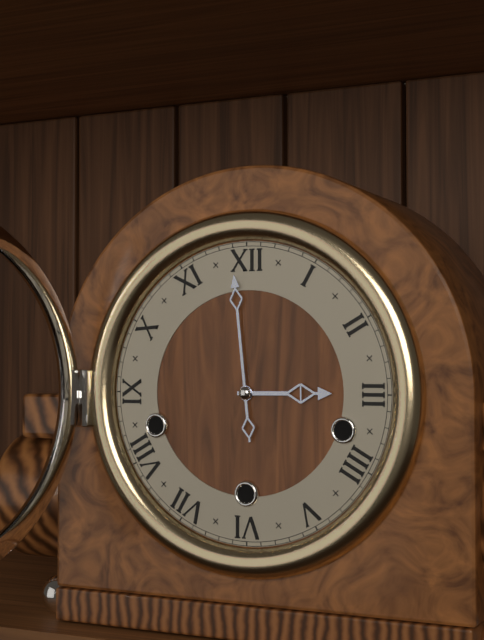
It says 2:59
